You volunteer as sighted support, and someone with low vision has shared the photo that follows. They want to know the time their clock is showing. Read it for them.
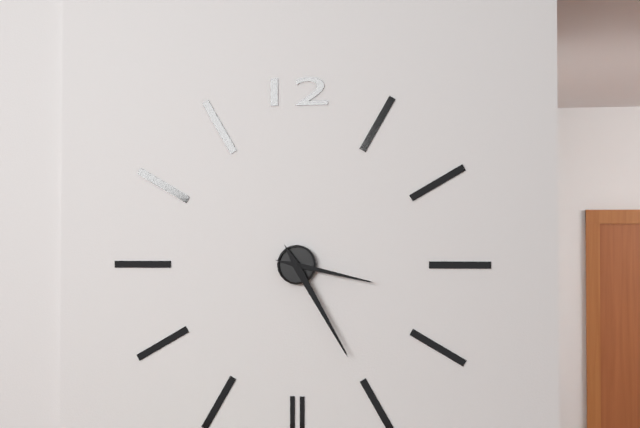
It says 3:25
